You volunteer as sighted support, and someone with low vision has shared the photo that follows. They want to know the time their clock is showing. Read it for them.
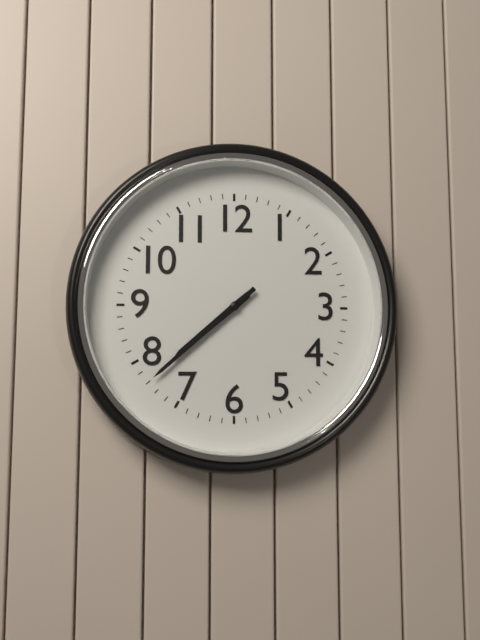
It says 7:38
